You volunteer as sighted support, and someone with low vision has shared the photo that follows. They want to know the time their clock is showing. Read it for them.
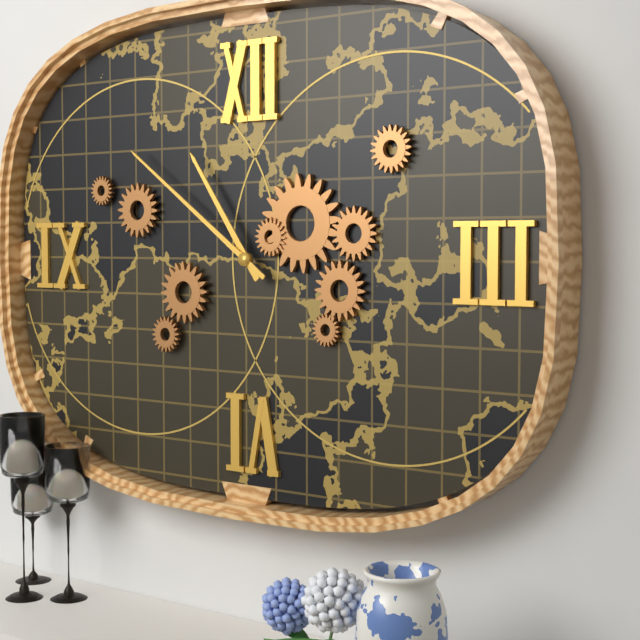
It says 10:51
